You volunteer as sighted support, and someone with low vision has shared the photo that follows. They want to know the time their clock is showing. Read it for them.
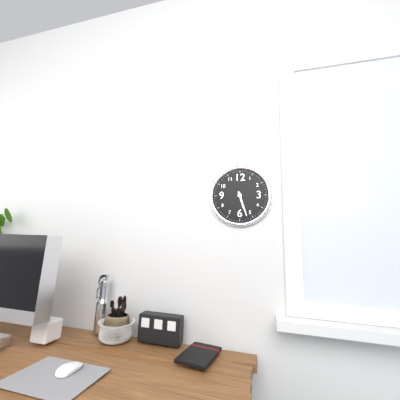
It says 5:27
